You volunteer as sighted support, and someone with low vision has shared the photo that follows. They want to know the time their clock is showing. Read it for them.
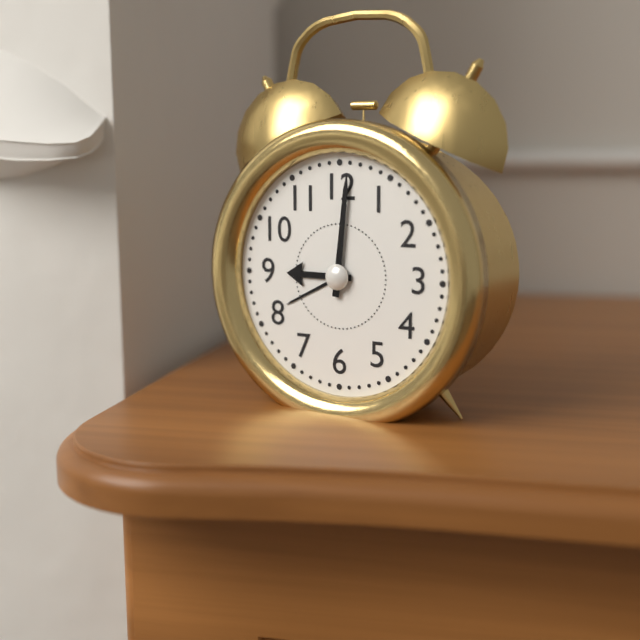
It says 9:01
